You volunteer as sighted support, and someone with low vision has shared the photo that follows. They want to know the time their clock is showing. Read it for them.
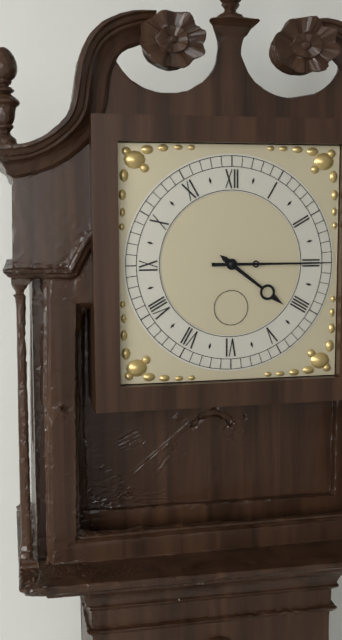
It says 4:15
